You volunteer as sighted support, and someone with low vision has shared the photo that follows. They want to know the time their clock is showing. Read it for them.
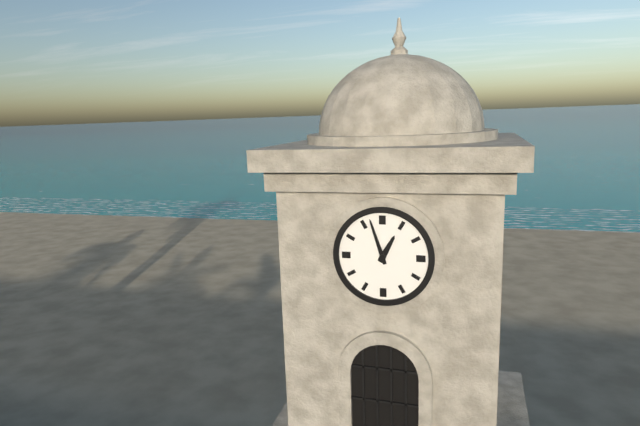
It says 12:57
